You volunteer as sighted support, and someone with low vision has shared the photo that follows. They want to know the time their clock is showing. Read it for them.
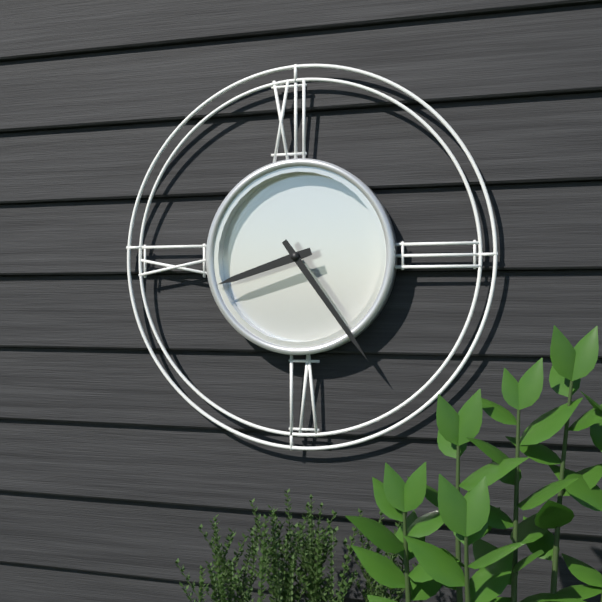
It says 8:24
